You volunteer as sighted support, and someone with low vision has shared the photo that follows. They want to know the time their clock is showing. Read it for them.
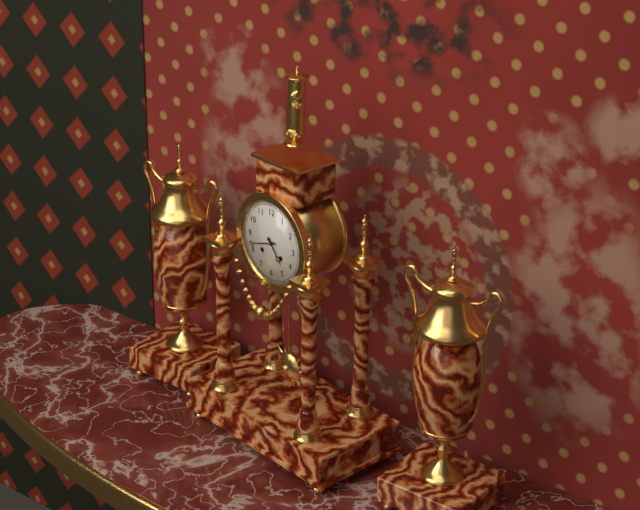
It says 4:42
